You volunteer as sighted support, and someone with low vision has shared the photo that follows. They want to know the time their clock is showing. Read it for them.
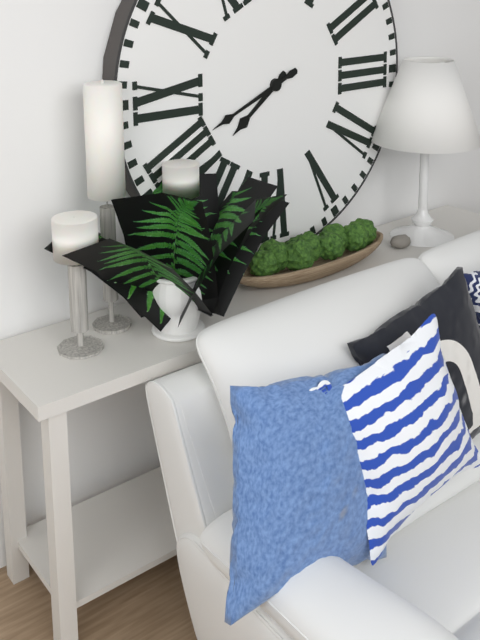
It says 7:41
